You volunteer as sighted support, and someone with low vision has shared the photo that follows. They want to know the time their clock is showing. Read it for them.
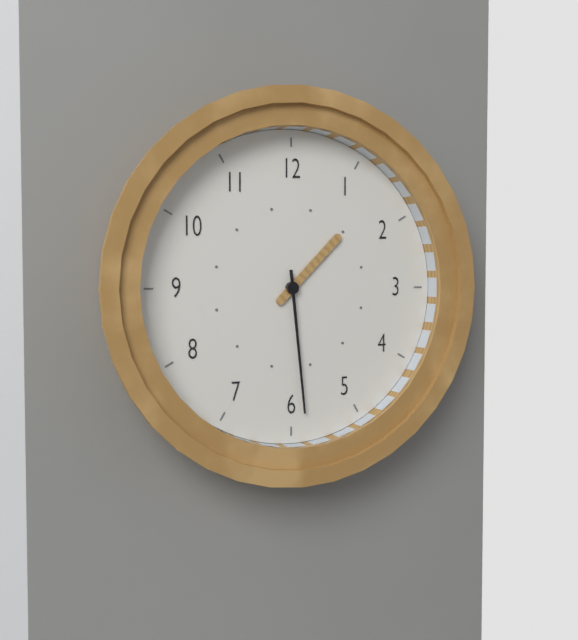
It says 1:29
